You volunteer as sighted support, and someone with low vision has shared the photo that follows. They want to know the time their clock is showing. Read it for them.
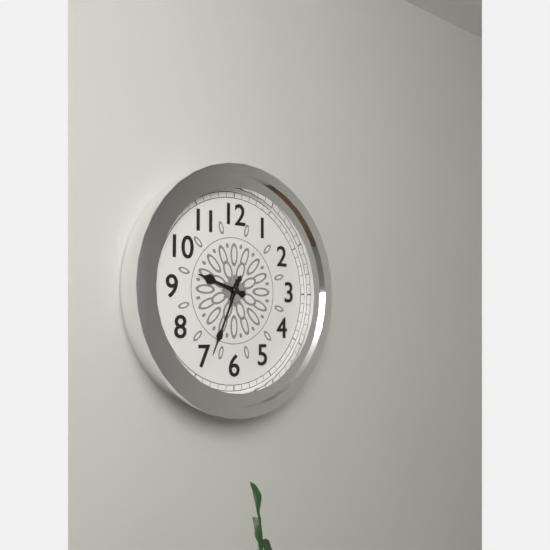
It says 9:34
